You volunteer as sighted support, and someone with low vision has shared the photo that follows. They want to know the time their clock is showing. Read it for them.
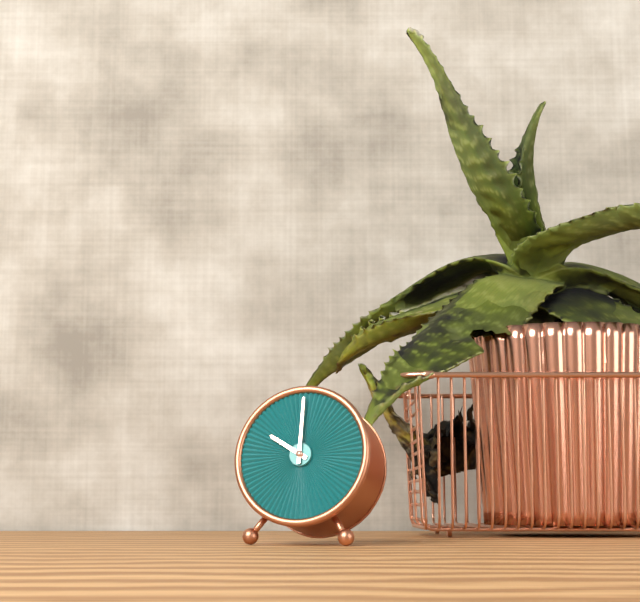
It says 10:00
